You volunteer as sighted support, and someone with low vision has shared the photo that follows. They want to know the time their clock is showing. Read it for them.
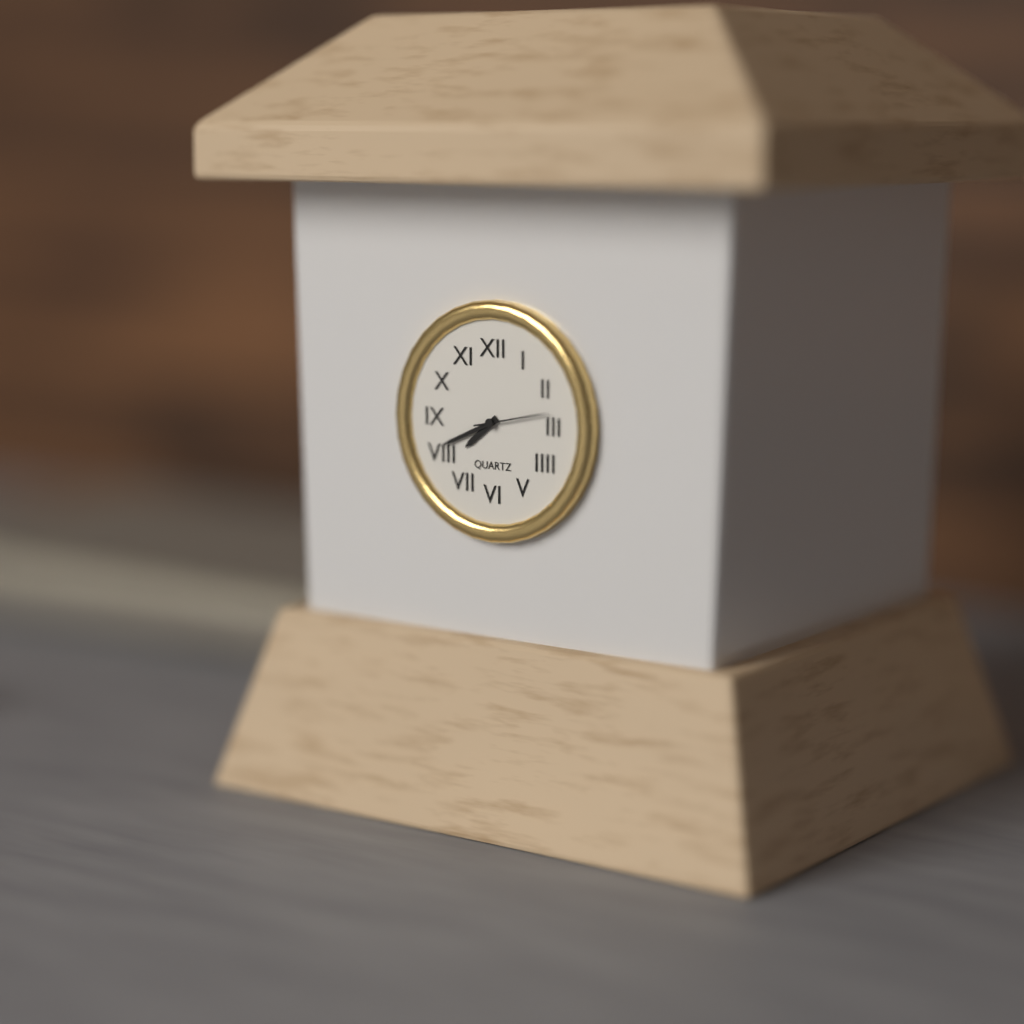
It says 7:41:13
